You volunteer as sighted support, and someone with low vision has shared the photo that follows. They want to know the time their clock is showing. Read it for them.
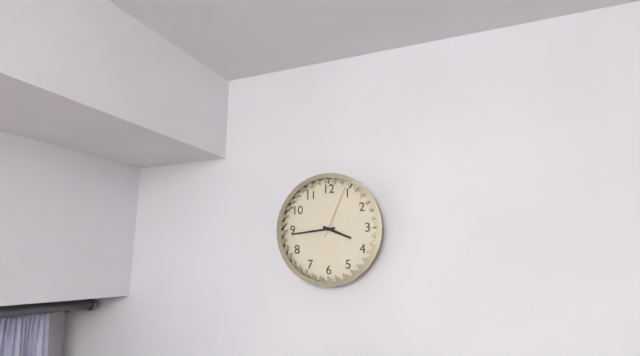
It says 3:44:04
